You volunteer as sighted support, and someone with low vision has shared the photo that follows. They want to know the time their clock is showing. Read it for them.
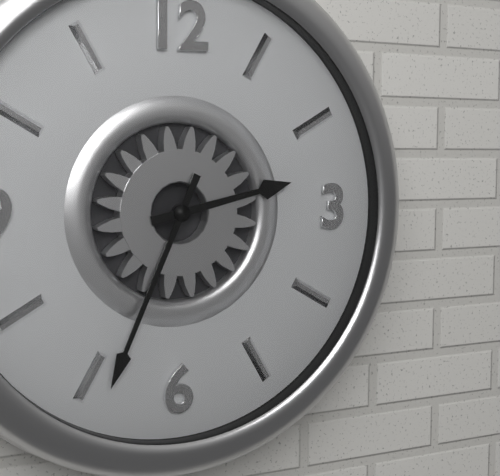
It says 2:34
